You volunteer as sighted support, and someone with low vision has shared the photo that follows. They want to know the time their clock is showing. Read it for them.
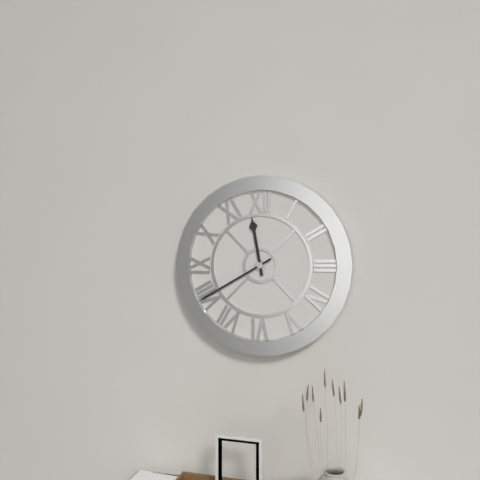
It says 11:40
